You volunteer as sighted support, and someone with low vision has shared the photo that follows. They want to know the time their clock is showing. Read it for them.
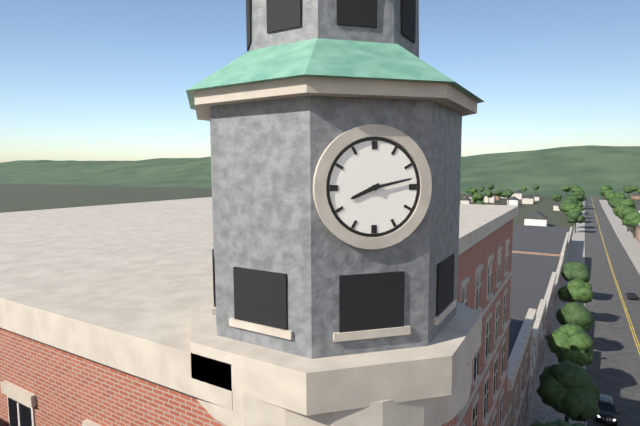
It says 8:13
